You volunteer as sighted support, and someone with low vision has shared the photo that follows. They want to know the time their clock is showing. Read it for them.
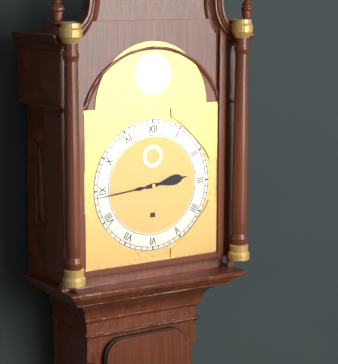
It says 2:44
